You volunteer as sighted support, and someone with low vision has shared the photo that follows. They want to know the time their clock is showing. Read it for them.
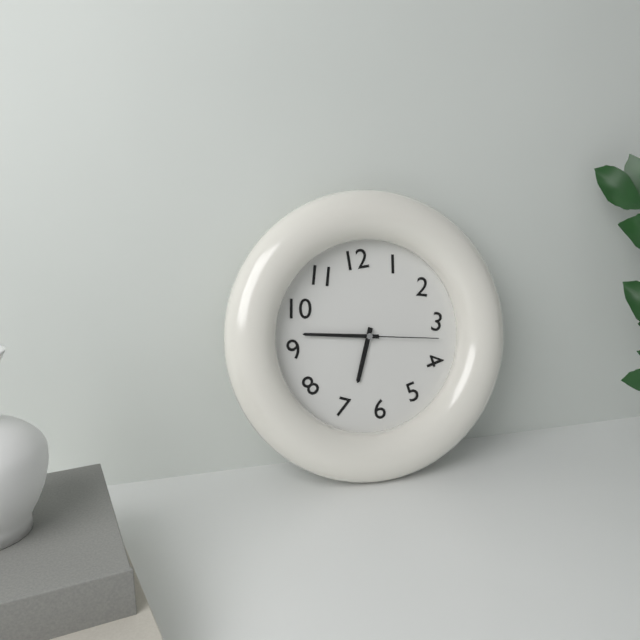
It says 6:47:17
